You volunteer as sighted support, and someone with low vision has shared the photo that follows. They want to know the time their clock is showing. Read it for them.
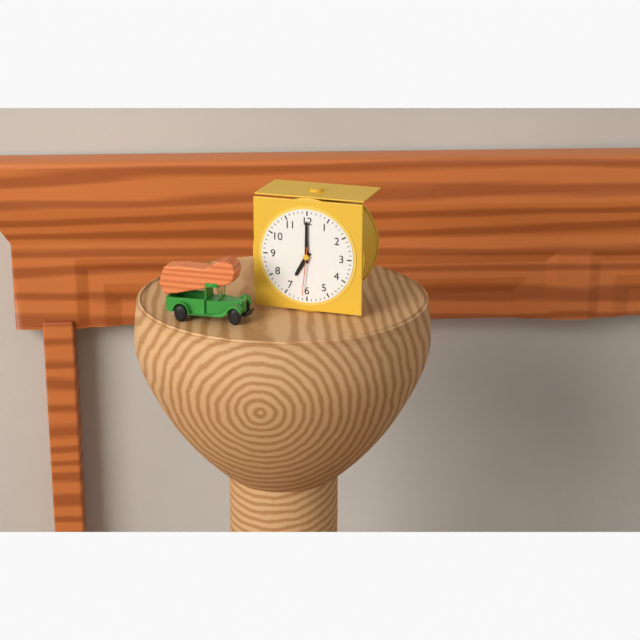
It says 7:00
